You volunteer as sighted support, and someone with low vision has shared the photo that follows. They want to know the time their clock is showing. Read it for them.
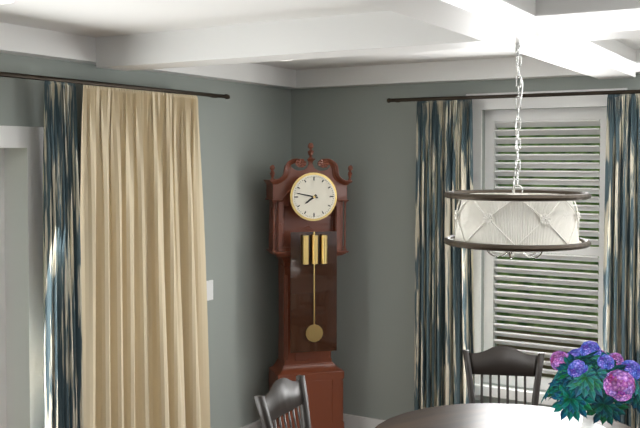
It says 7:47
